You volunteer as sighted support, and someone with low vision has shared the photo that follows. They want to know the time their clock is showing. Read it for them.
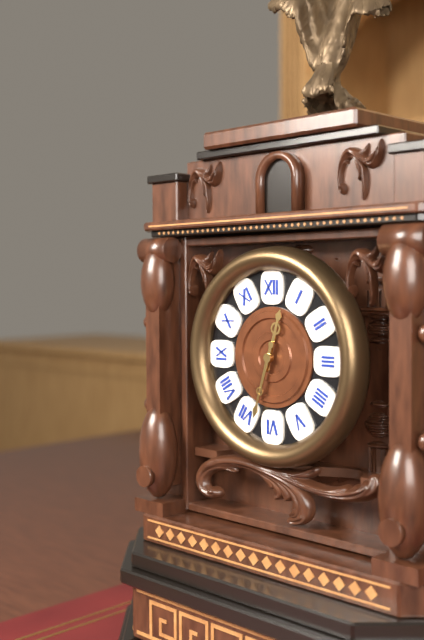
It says 12:33
